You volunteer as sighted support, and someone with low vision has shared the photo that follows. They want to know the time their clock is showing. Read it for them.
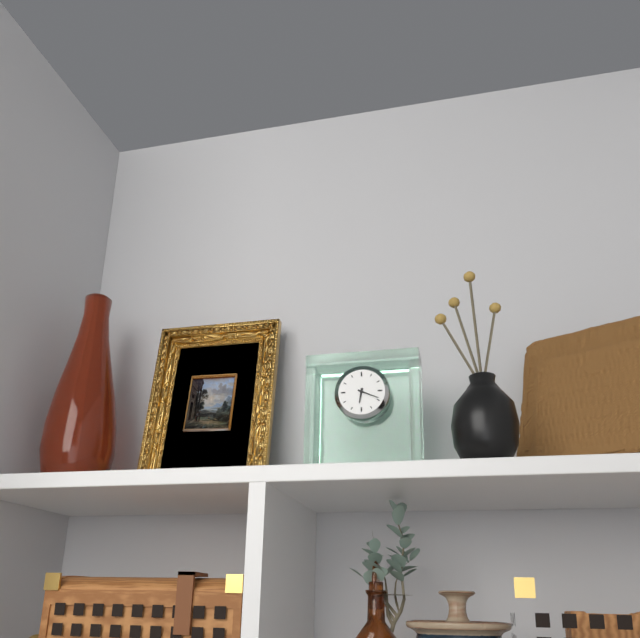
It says 6:19
